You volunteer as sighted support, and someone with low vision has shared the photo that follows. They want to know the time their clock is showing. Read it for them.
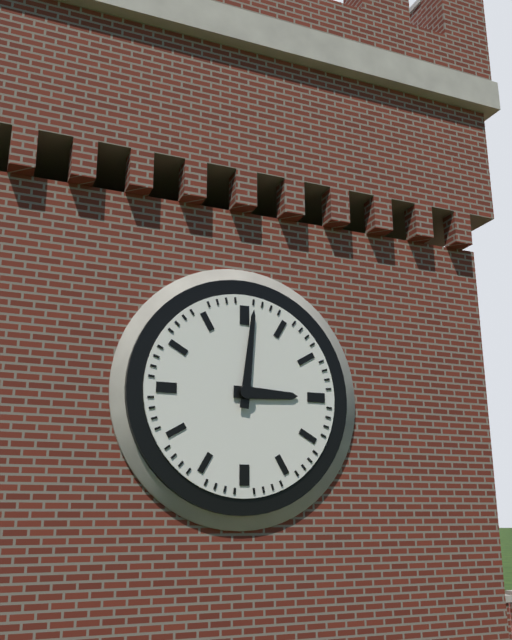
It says 3:01
